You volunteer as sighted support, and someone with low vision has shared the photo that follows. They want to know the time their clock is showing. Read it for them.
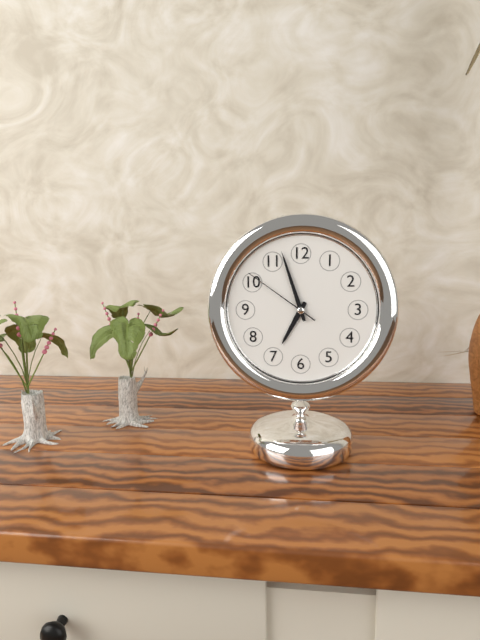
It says 6:57:51
